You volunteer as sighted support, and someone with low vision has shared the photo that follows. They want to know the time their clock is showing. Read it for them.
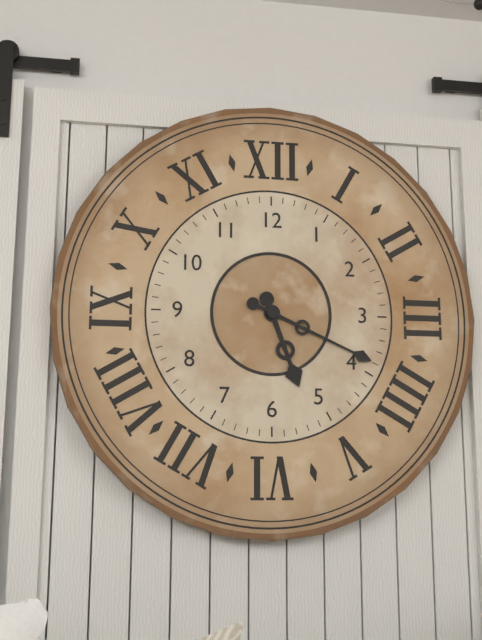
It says 5:19
